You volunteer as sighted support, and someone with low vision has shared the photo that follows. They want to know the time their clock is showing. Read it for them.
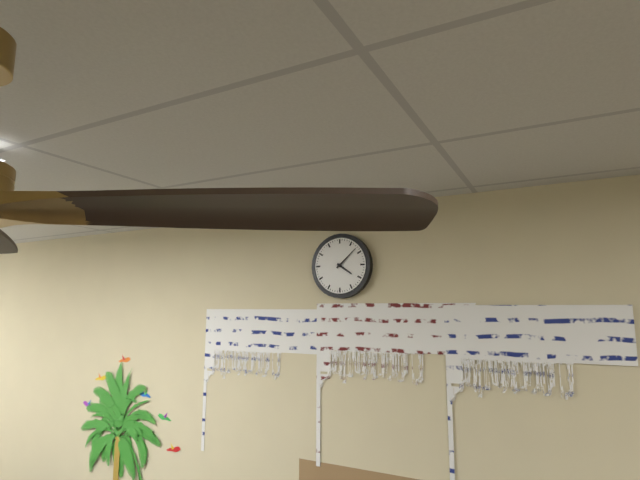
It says 4:08
